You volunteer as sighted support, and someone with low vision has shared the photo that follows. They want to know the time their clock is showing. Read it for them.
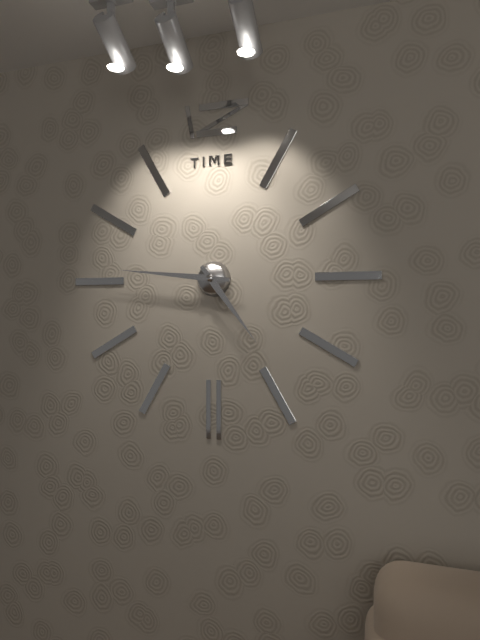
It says 4:46
